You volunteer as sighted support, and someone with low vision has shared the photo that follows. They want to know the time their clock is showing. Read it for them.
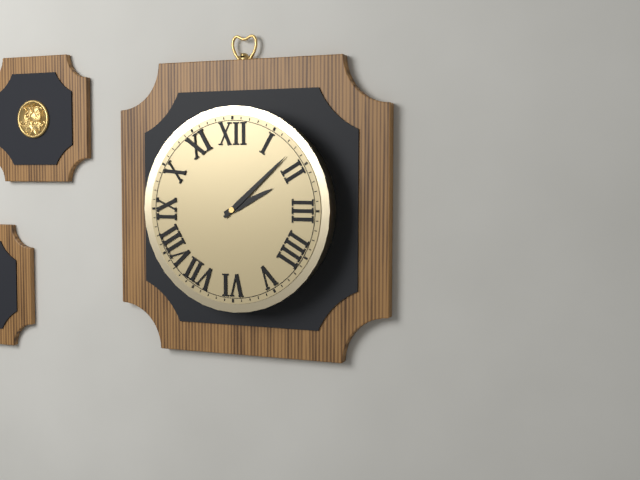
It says 2:08
